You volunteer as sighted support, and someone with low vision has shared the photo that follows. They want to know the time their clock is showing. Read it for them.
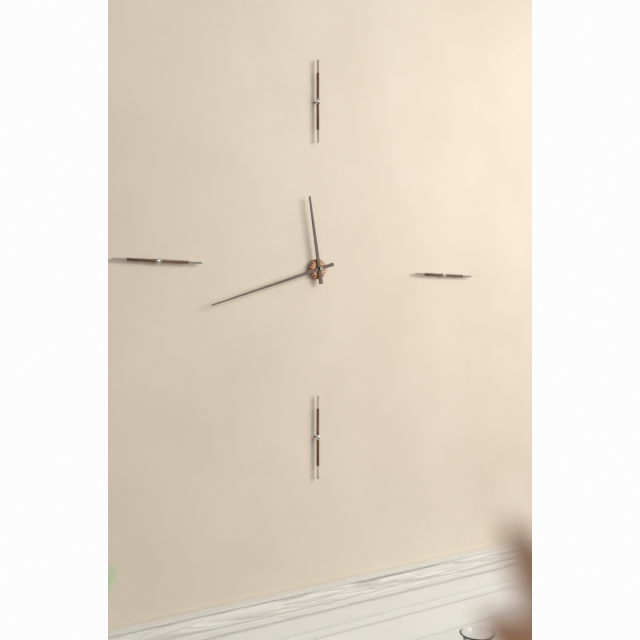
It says 11:42
